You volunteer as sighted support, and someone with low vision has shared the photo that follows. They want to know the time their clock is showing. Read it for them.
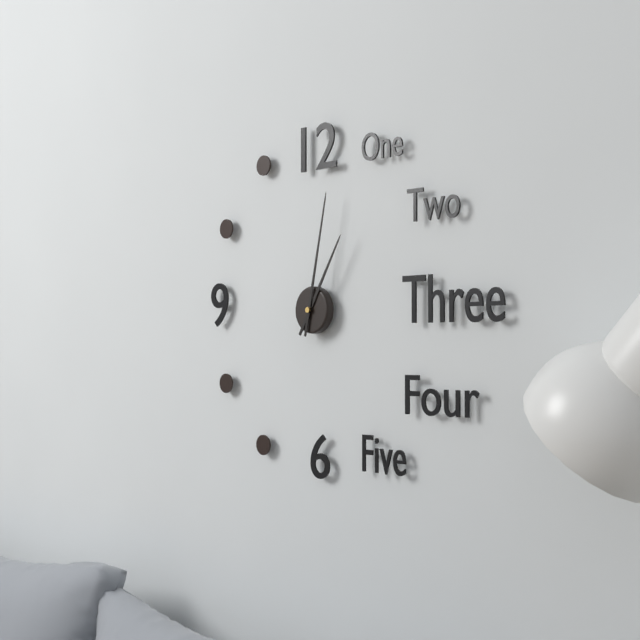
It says 1:02
